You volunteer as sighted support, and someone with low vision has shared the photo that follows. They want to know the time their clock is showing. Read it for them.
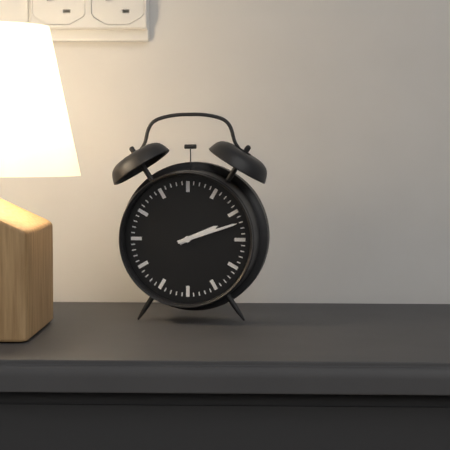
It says 2:12
